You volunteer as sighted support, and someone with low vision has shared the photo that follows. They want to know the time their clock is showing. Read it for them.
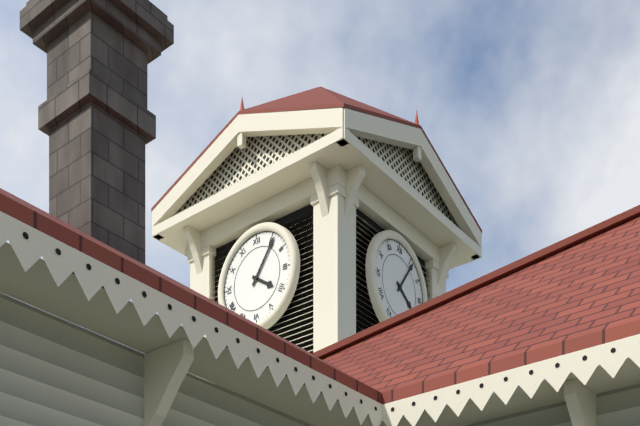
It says 4:06
